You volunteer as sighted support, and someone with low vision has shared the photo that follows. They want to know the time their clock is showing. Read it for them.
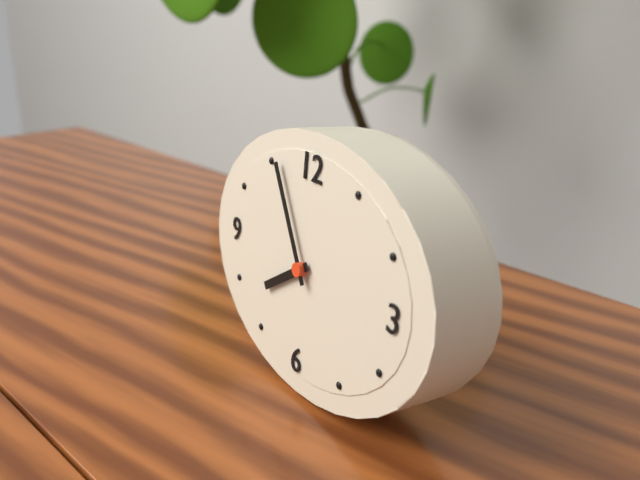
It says 7:55
